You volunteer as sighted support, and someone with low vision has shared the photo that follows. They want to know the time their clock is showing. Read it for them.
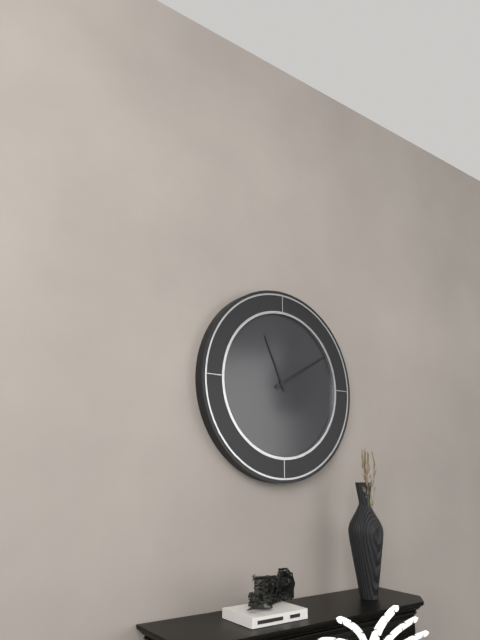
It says 11:10
